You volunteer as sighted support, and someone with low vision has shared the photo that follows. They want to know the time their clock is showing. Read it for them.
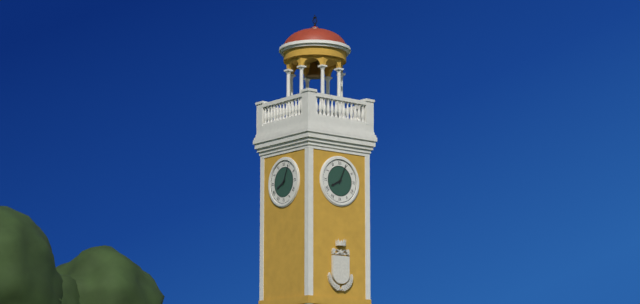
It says 8:04
